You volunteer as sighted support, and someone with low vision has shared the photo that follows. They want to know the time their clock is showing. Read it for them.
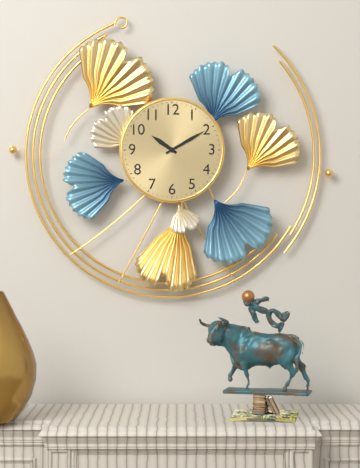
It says 10:10
